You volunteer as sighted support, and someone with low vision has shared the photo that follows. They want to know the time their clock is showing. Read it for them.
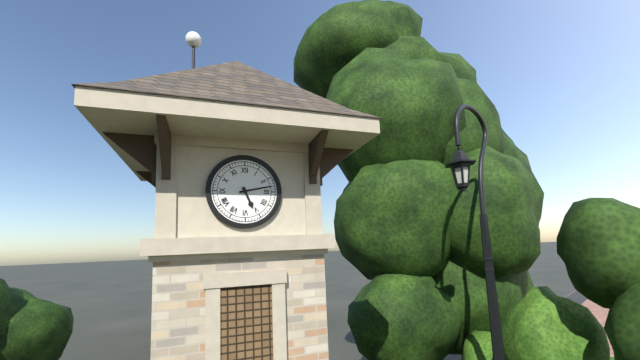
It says 5:13
